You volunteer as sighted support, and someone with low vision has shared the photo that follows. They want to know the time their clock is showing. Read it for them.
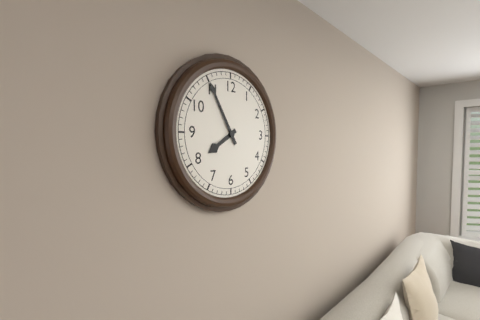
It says 7:55
